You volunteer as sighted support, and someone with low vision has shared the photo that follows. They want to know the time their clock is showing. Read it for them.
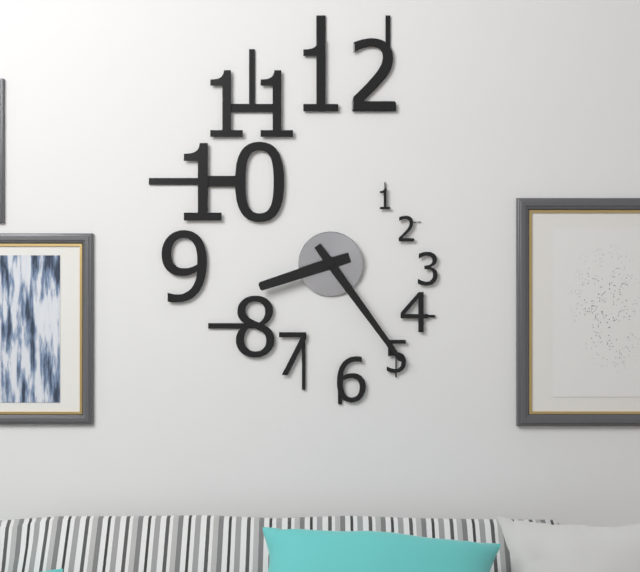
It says 8:24
